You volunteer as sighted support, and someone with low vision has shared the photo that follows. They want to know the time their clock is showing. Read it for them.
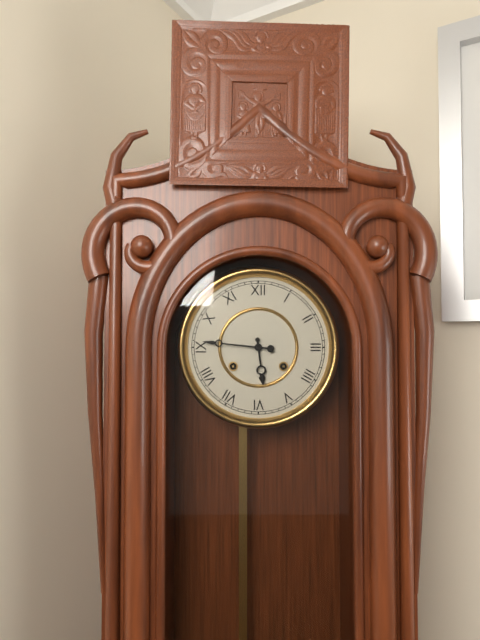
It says 5:46
